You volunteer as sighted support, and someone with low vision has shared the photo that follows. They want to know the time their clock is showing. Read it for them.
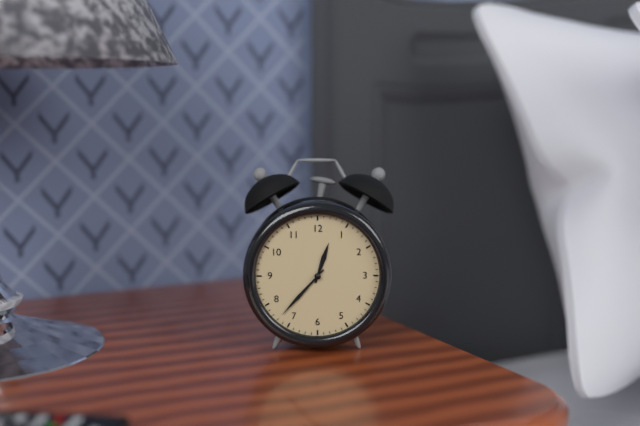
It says 12:37
